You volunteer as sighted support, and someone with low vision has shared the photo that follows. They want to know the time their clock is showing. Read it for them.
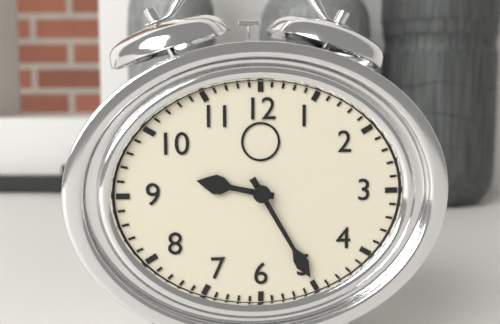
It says 9:25
